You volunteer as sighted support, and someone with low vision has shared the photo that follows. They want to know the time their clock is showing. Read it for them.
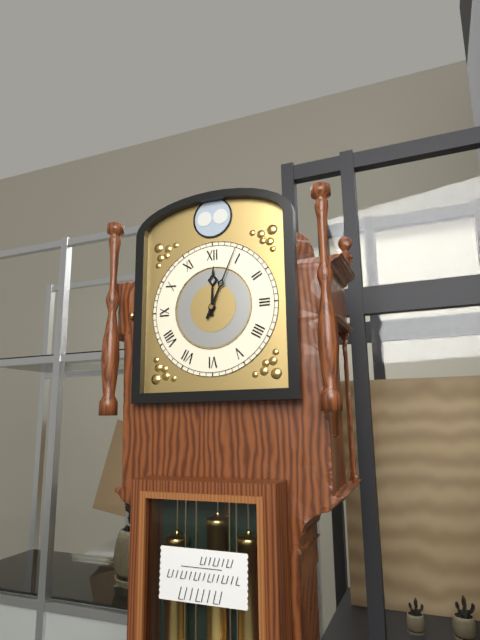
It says 12:04
